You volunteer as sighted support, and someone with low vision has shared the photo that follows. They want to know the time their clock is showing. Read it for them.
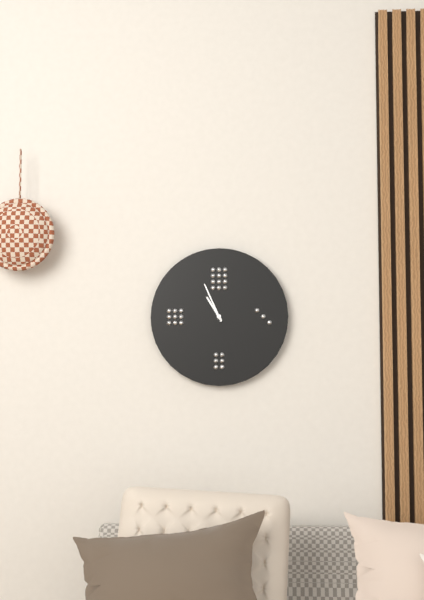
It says 10:56
